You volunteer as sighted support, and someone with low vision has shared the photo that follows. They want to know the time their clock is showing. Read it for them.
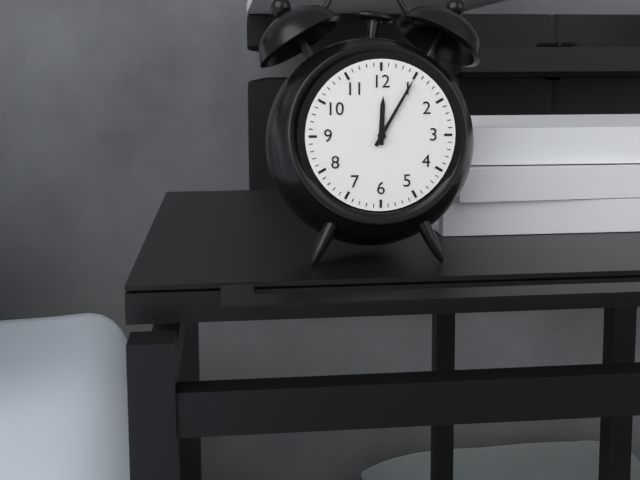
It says 12:05
